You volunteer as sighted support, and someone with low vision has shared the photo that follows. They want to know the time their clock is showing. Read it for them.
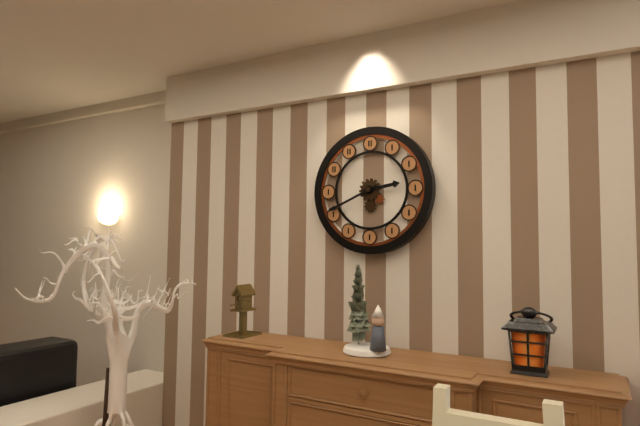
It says 2:41
